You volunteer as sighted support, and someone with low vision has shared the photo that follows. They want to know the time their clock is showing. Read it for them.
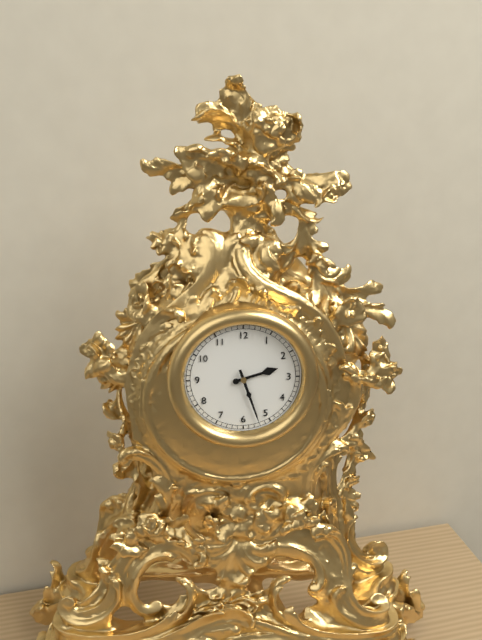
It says 2:27
